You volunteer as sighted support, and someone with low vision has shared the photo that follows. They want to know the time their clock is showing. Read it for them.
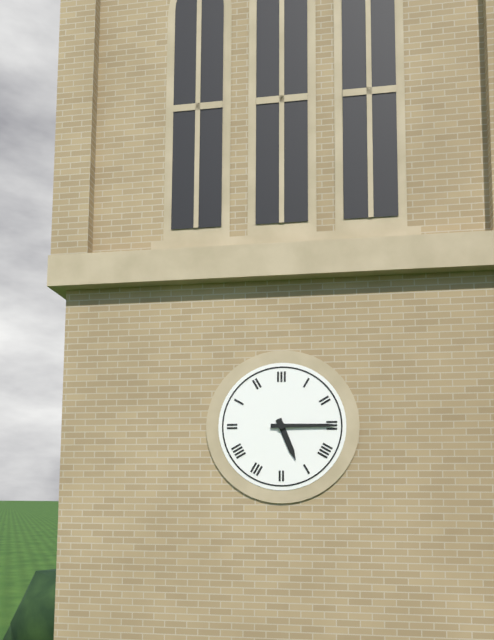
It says 5:15
